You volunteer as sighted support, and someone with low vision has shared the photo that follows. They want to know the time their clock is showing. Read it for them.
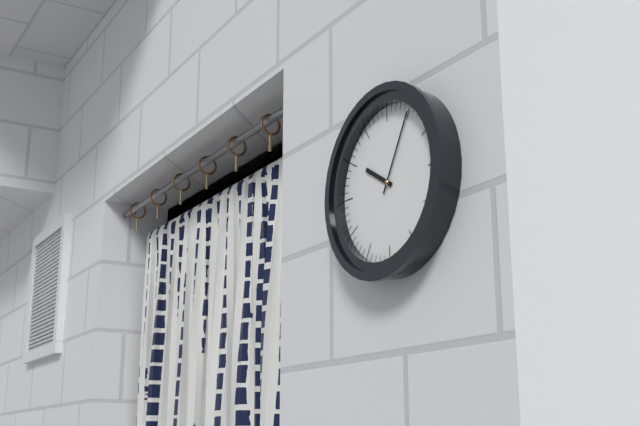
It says 10:05
